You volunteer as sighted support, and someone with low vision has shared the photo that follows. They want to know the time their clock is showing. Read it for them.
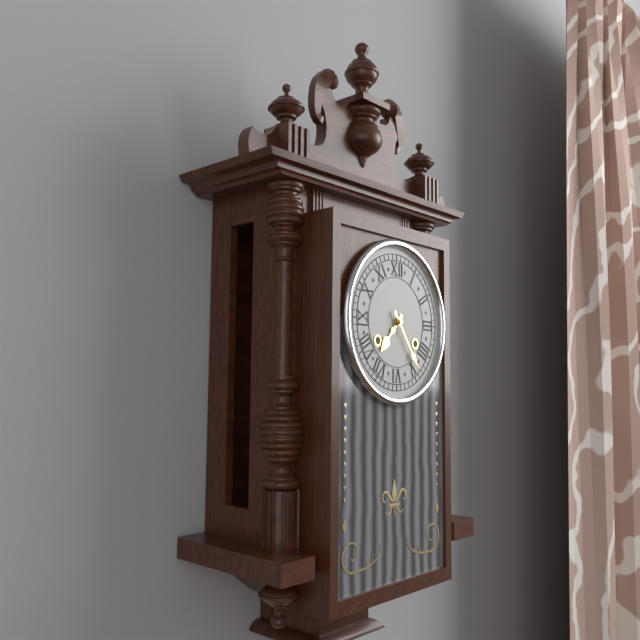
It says 7:24
